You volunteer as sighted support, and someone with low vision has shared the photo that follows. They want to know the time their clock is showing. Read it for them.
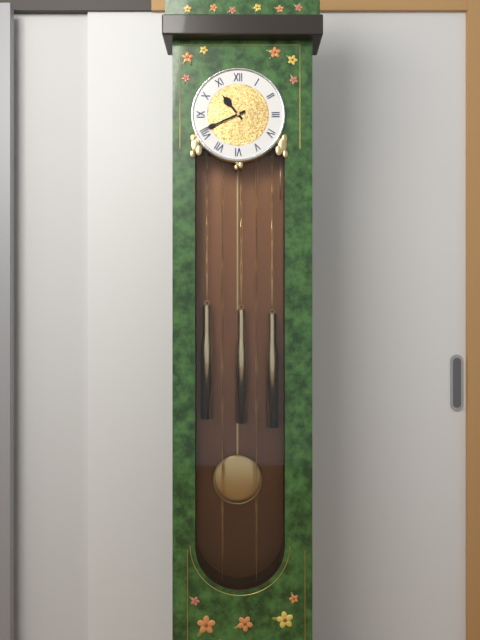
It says 10:41
